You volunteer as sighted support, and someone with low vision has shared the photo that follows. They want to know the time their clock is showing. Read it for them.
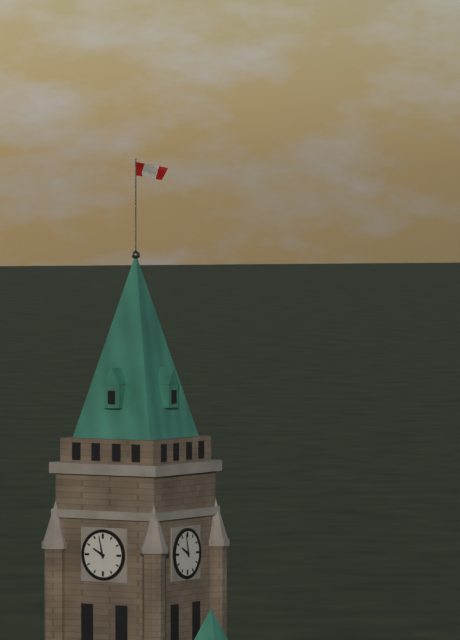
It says 9:58
